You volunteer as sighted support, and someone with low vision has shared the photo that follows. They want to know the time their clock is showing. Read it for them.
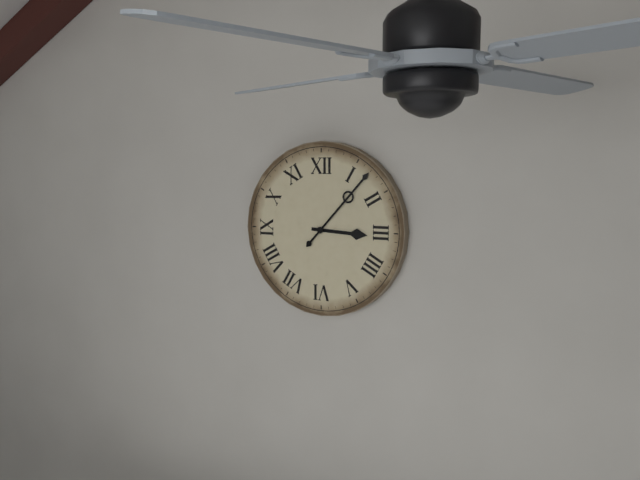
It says 3:07
